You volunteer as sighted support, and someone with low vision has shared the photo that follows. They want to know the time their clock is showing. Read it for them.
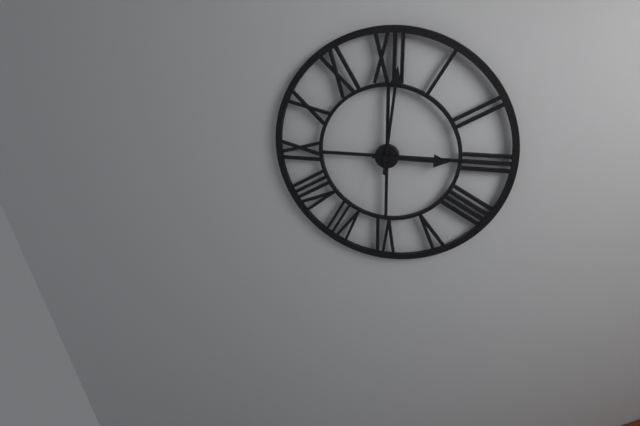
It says 3:01
